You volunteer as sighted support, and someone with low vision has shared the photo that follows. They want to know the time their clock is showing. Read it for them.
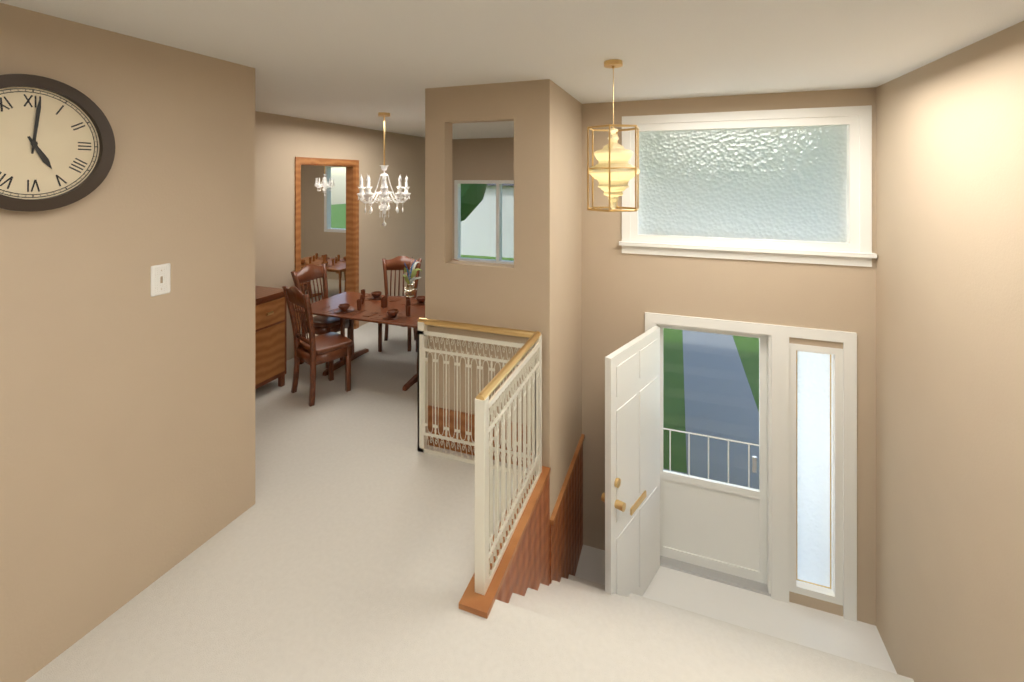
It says 5:01
